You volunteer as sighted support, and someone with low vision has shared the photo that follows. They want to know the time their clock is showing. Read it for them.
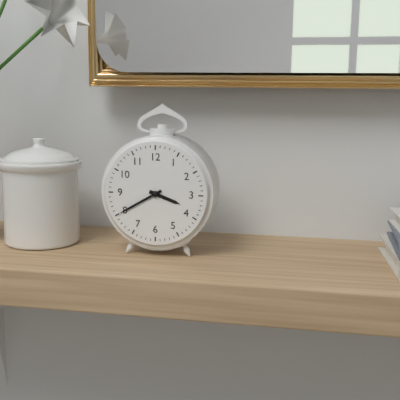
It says 3:40
